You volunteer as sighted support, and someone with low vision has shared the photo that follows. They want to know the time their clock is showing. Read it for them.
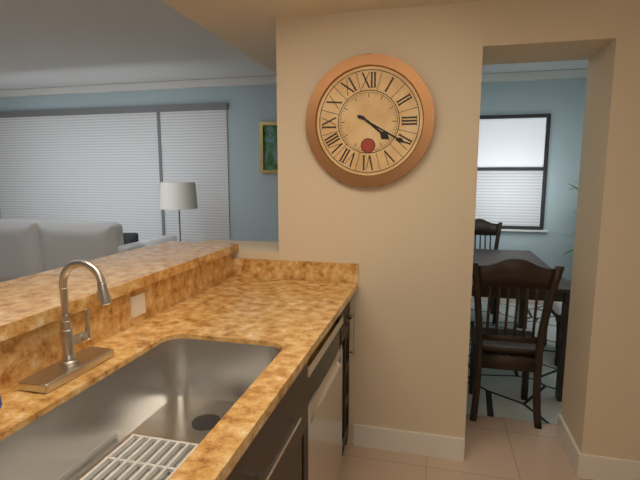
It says 4:20
